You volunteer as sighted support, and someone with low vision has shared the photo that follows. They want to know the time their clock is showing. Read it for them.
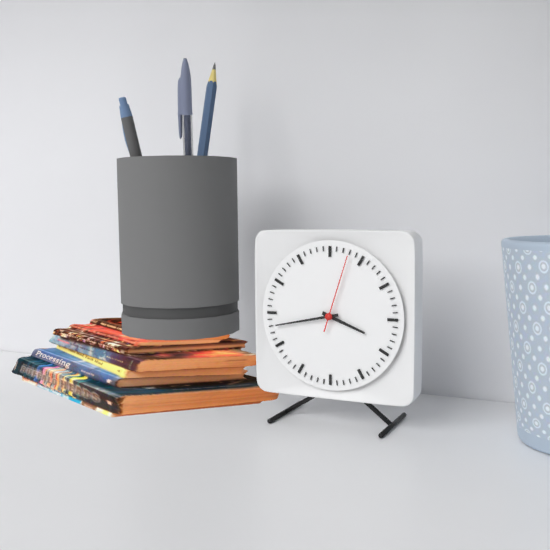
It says 3:43:03
